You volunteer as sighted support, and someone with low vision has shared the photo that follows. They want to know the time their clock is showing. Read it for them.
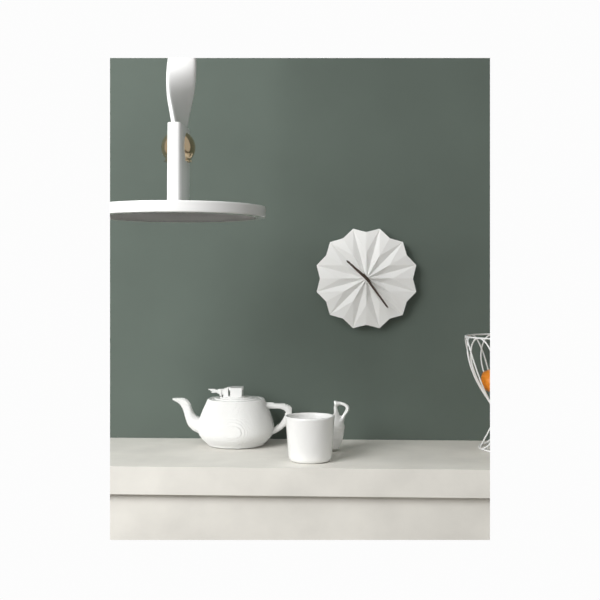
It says 10:24
